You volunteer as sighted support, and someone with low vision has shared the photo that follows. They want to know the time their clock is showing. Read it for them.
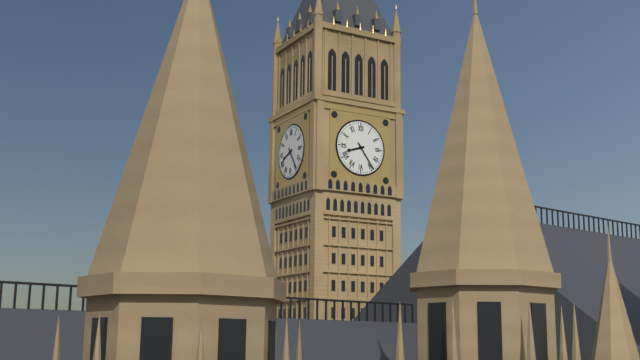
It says 8:24
